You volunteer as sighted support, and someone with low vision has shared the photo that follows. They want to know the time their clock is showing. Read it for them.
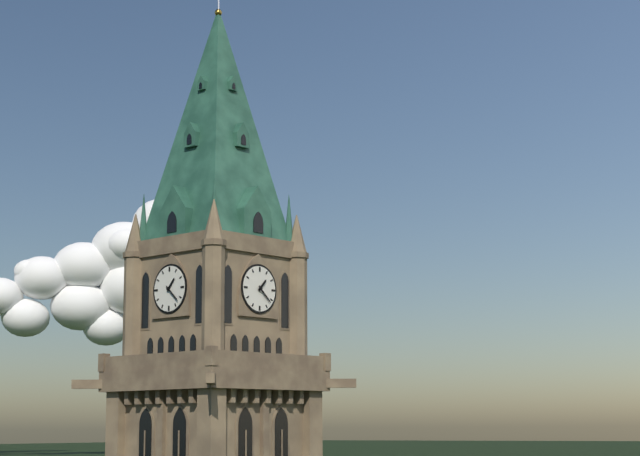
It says 1:22
